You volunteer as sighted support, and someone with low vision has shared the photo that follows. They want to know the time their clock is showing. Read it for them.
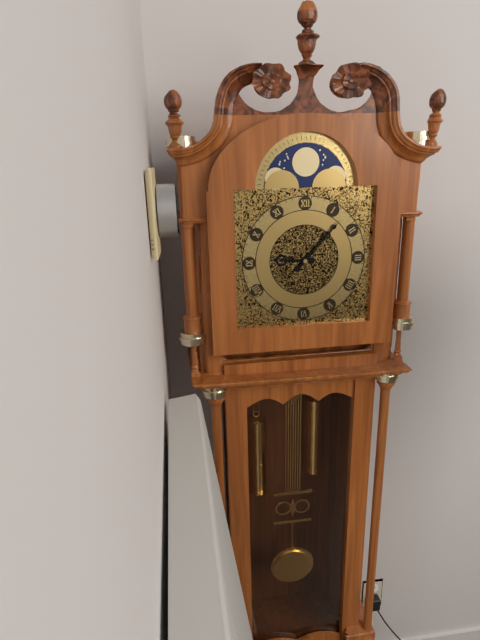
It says 9:07
